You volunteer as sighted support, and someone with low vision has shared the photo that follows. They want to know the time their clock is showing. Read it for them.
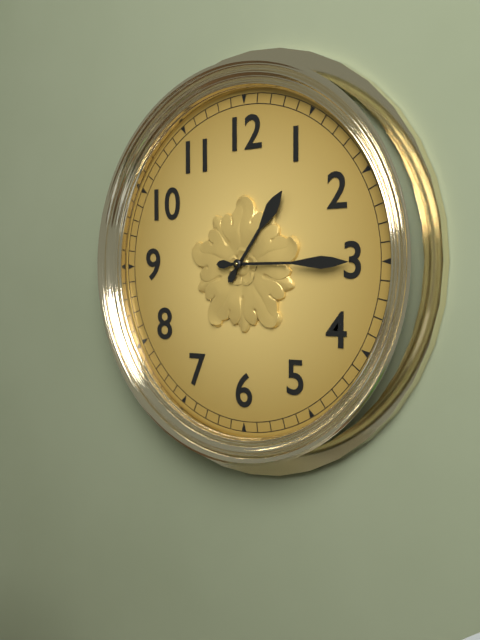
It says 1:15
